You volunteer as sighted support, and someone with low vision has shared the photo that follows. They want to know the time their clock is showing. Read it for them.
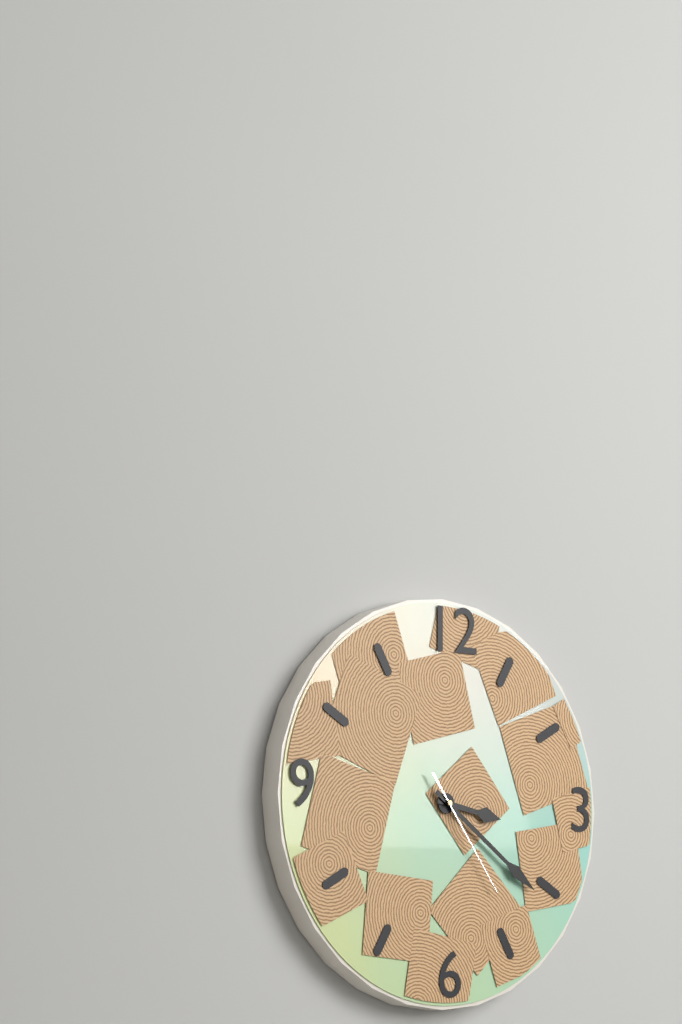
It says 3:21:24
